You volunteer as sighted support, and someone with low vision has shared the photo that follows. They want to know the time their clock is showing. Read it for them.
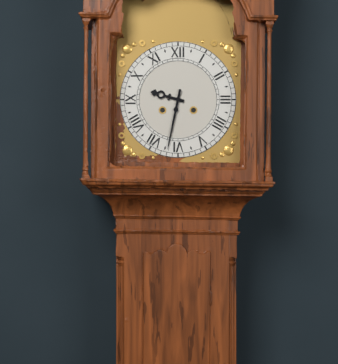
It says 9:32
